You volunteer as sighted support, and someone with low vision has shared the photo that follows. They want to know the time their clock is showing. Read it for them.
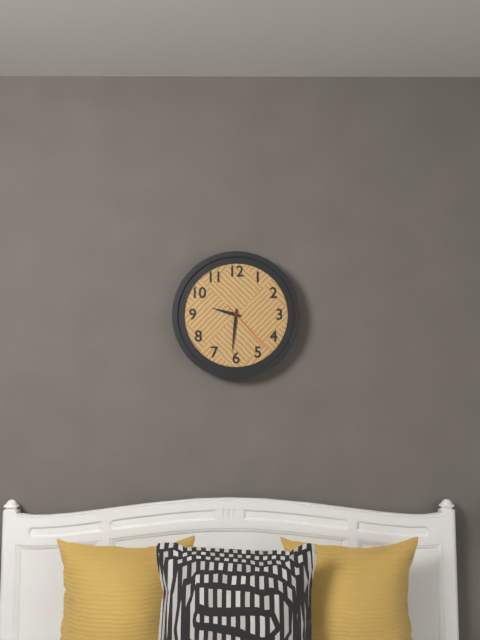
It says 9:31:23
